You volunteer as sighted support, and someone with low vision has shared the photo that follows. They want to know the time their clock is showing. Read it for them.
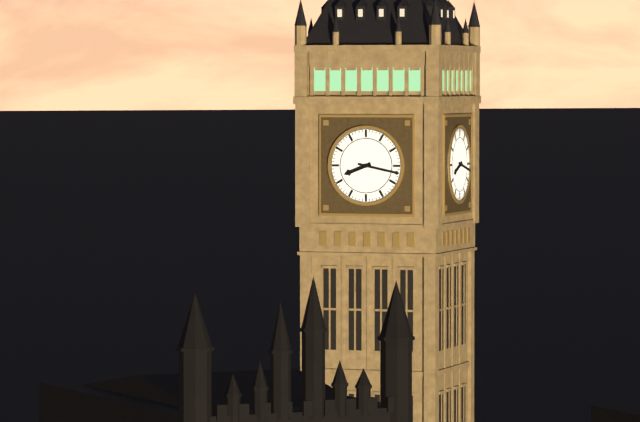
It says 8:17
